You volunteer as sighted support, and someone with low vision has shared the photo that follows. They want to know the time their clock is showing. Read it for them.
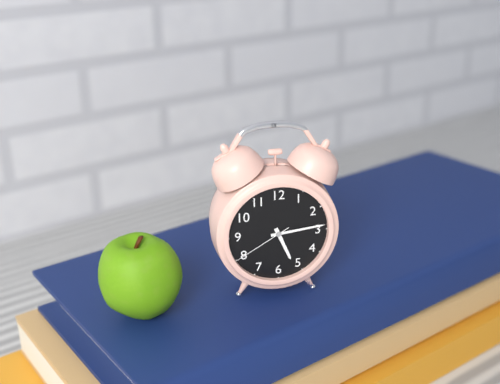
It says 5:14:40
